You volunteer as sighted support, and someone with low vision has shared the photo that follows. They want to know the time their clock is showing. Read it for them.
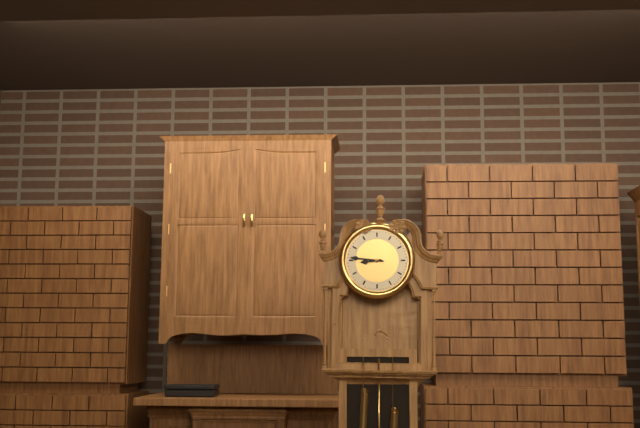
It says 8:46
